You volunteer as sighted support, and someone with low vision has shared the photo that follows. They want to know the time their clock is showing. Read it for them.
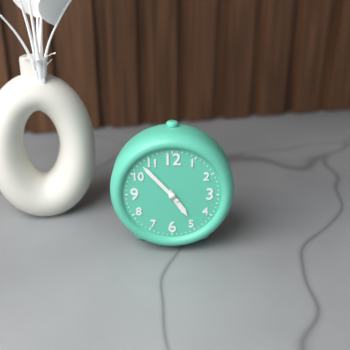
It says 4:53
